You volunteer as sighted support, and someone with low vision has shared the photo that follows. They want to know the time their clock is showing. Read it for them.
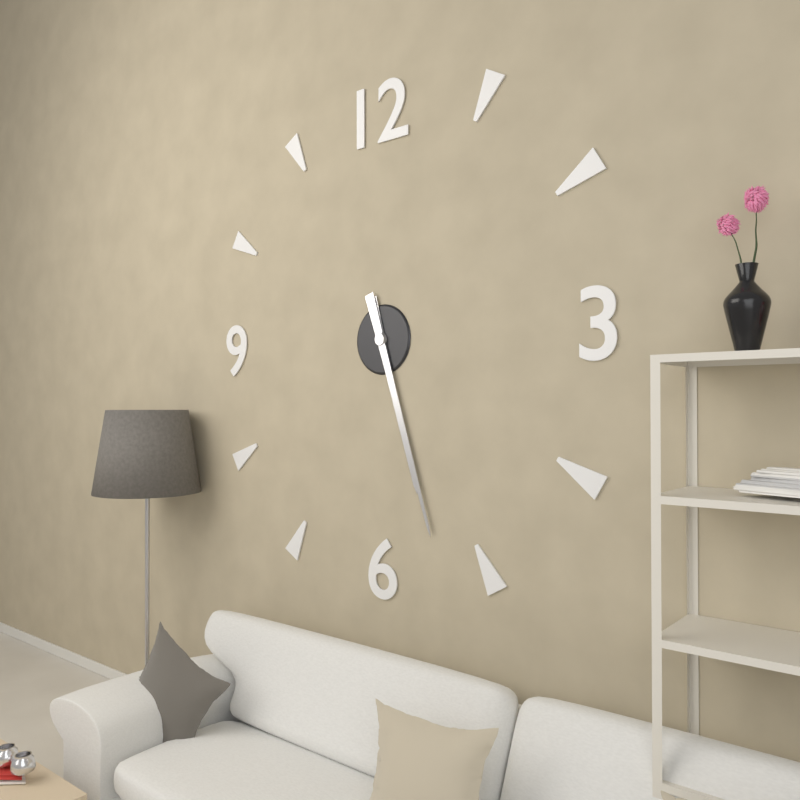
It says 5:27
